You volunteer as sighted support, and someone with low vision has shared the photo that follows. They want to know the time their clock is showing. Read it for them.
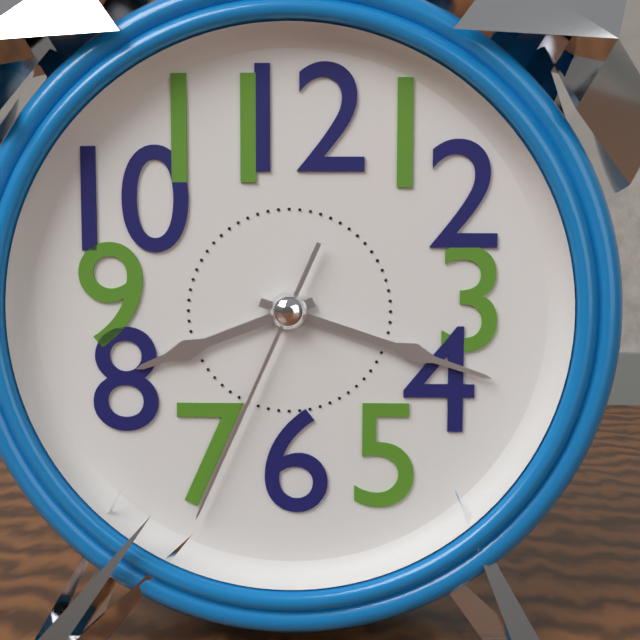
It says 8:18:34
